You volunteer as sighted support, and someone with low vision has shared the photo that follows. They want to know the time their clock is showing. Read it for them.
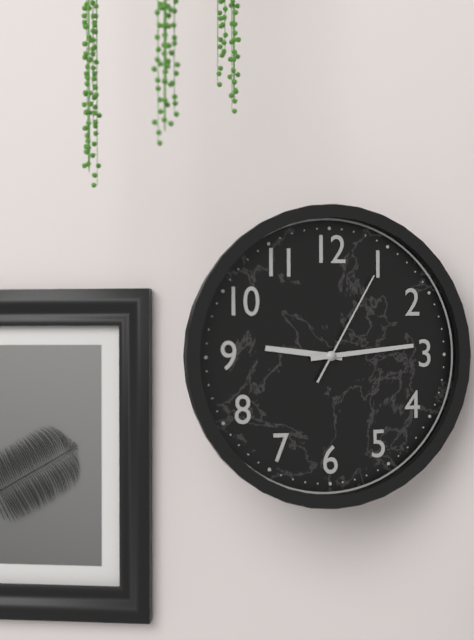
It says 9:14:05
